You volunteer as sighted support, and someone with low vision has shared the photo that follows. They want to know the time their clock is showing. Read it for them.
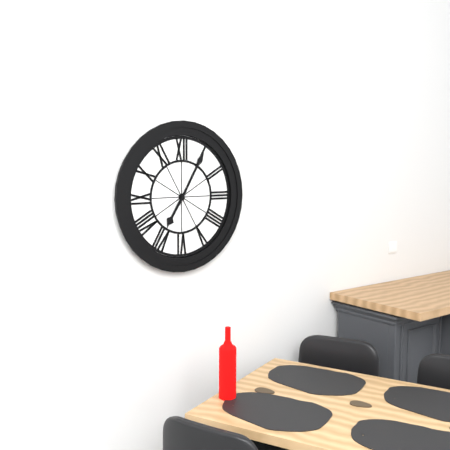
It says 7:05
